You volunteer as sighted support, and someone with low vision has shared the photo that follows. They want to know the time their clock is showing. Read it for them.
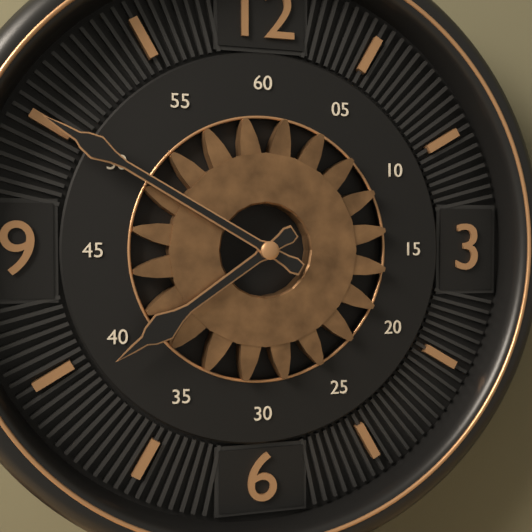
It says 7:50
